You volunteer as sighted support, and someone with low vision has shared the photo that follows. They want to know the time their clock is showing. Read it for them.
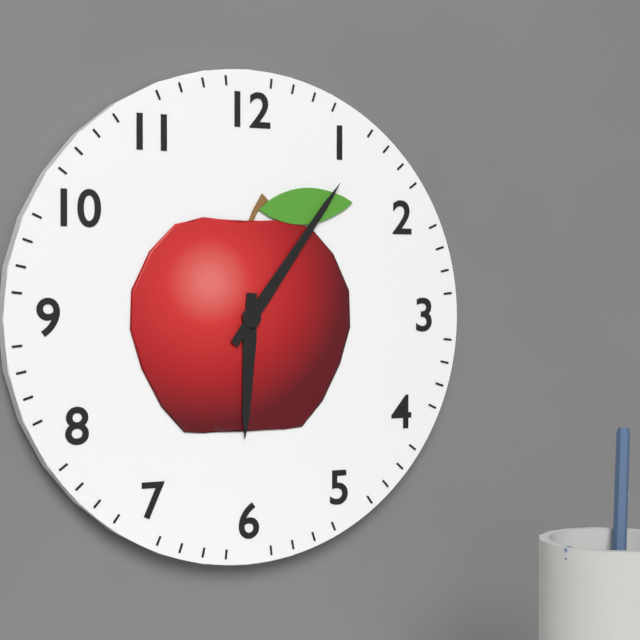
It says 6:06
